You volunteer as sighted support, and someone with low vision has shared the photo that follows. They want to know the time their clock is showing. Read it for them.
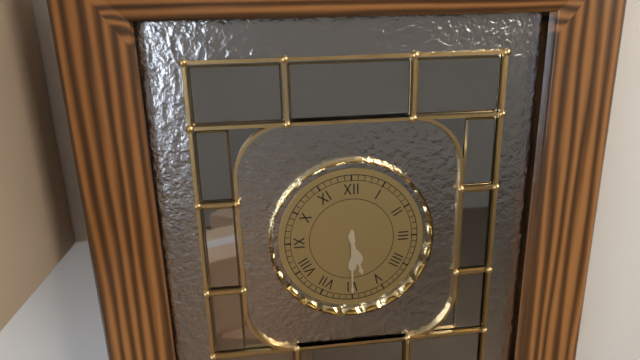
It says 5:30
